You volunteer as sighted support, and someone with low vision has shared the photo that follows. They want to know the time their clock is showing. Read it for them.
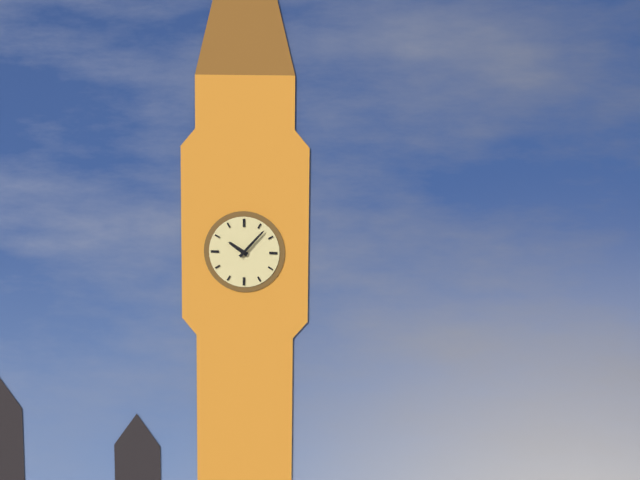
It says 10:07
